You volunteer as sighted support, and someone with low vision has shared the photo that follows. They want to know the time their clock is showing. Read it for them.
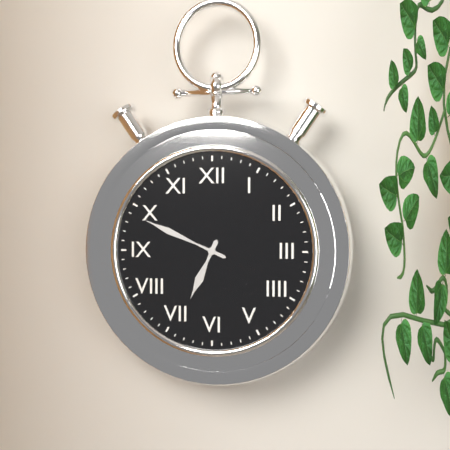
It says 6:49
